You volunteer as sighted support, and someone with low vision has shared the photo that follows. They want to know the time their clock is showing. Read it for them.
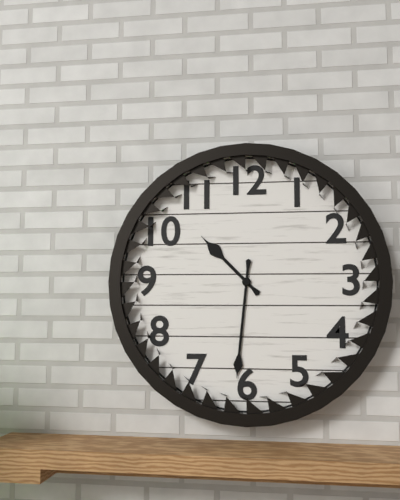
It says 10:31
